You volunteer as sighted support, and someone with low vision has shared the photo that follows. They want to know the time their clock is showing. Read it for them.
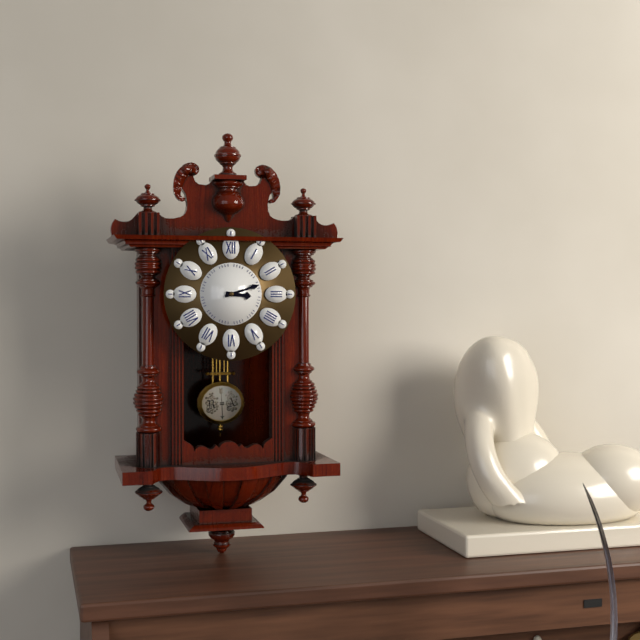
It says 3:12
